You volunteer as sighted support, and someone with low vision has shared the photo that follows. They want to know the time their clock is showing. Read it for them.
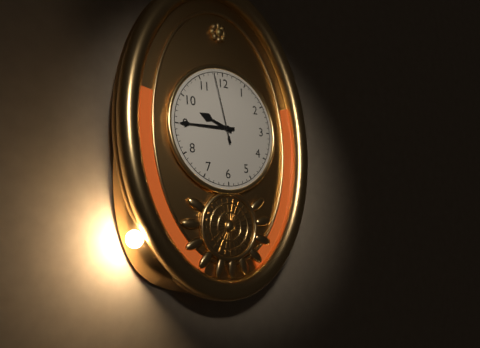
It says 9:45:58
